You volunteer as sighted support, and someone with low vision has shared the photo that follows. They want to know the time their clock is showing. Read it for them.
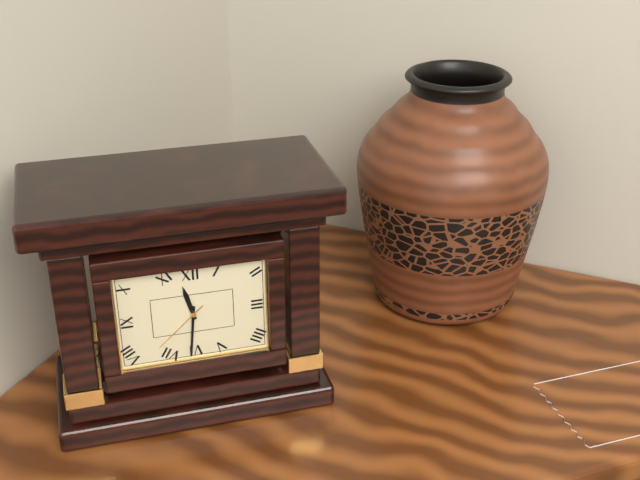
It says 11:31:38
